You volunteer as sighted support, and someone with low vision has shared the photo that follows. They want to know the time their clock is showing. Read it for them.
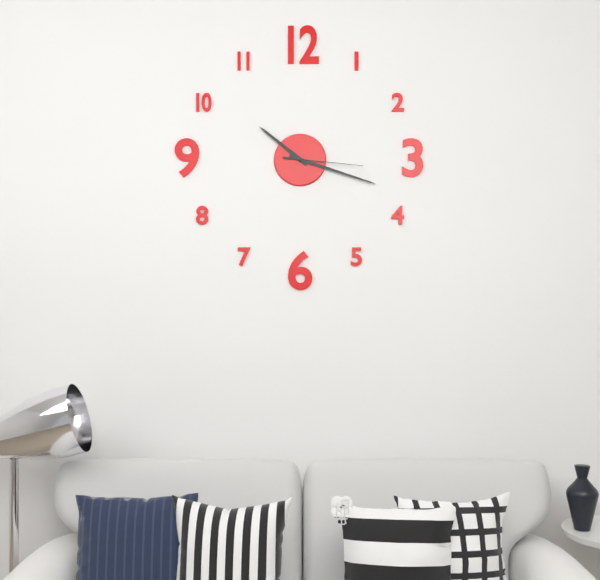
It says 10:18:16
